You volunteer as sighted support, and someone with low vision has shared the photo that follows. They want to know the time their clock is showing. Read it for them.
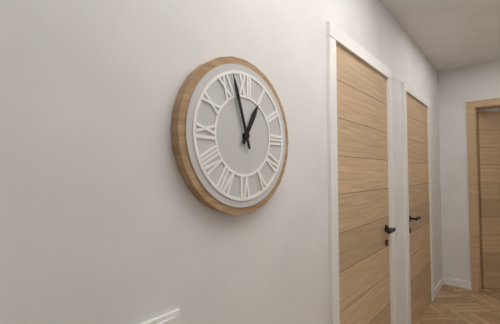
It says 12:57
